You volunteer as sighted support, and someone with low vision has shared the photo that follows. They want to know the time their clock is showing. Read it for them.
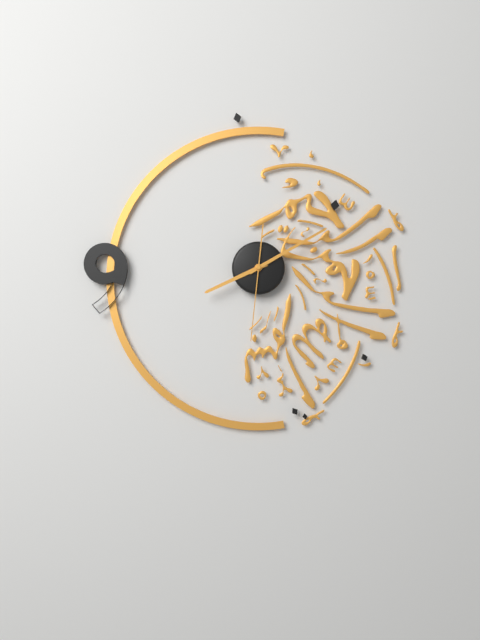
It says 8:10:31
